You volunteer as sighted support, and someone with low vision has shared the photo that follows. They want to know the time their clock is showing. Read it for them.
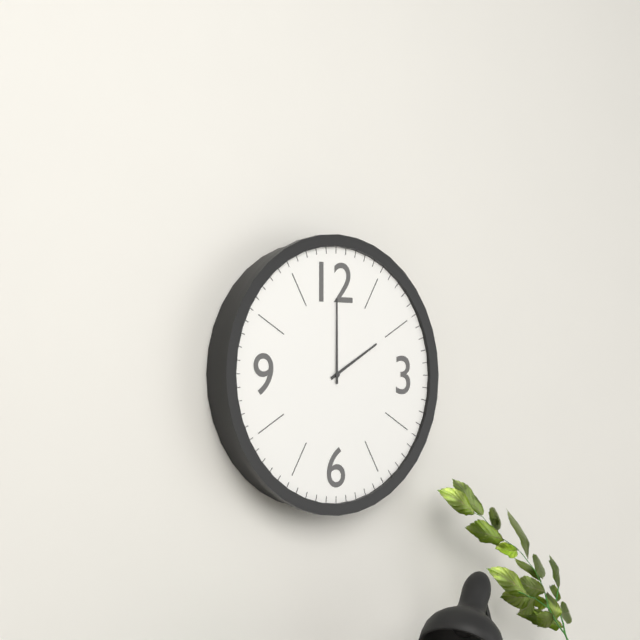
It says 2:00
